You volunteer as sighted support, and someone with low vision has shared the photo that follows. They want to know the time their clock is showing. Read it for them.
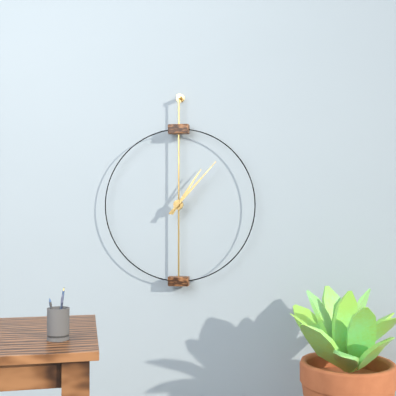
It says 1:07
